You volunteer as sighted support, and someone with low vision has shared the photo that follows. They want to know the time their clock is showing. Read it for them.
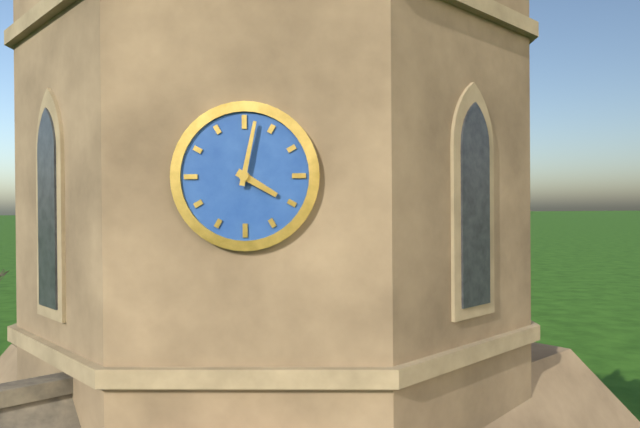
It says 4:02
